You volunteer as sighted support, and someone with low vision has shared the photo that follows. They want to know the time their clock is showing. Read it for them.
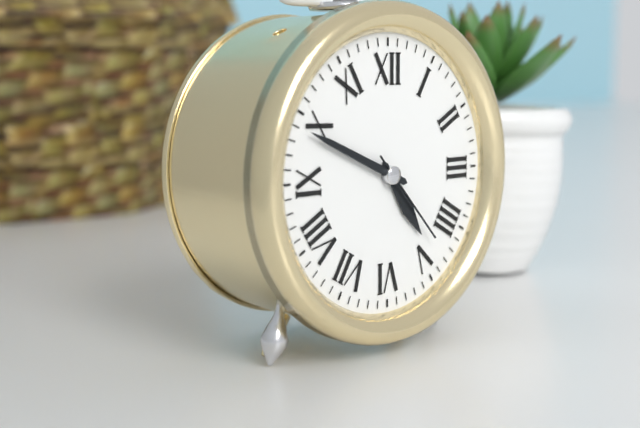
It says 4:49:23
